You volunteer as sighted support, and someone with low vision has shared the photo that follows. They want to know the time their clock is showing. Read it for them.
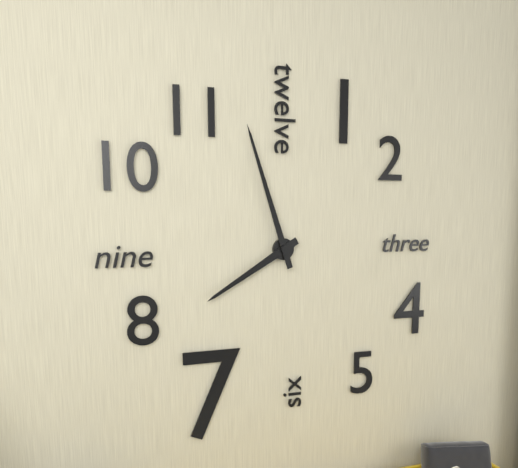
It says 7:57
